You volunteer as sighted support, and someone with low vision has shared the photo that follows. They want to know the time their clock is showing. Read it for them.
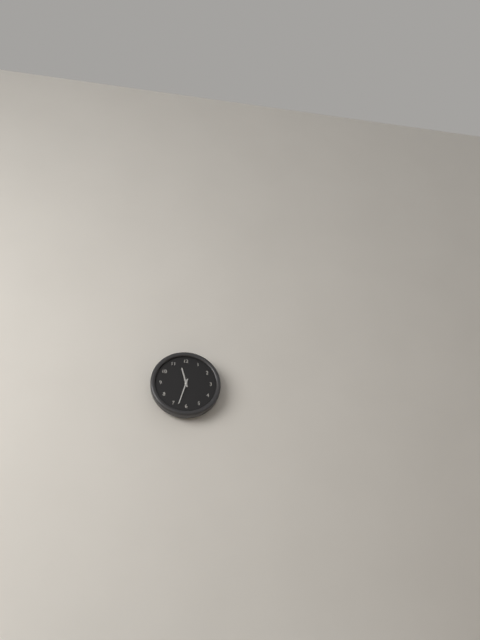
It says 11:33
